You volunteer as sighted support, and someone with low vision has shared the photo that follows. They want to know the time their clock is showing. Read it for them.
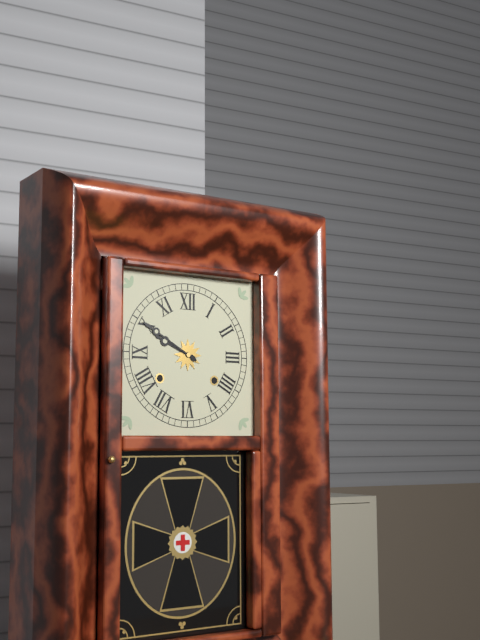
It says 9:50
